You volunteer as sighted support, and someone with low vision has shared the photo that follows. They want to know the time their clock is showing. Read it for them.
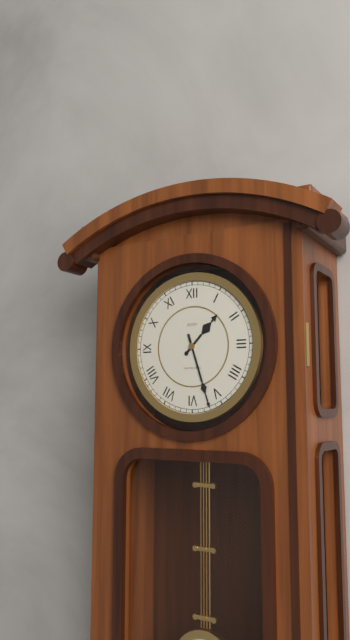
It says 1:27
